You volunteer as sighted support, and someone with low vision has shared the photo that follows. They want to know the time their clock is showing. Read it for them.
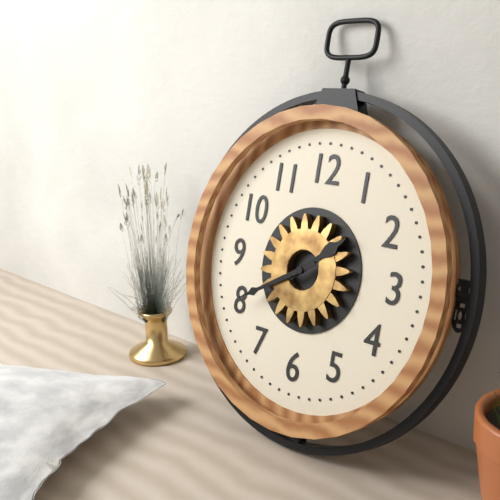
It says 1:40
